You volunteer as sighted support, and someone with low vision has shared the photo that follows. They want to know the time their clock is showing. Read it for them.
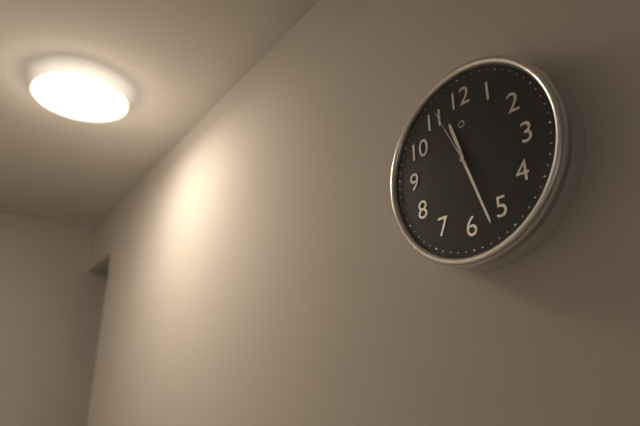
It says 11:27:56
